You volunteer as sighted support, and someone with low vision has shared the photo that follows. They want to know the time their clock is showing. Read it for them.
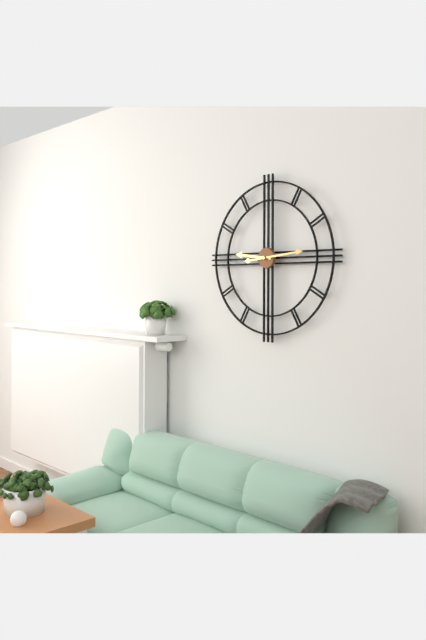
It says 9:14
